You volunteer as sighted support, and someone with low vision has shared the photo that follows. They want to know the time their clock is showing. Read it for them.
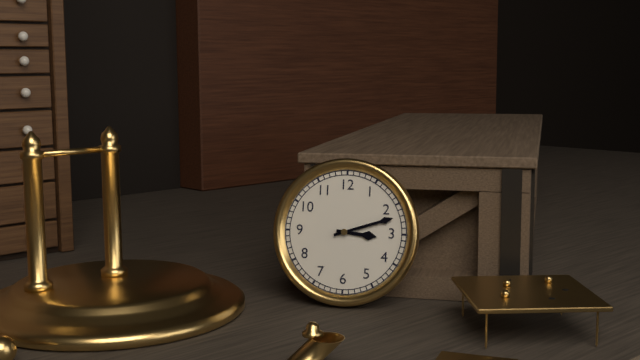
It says 3:12
